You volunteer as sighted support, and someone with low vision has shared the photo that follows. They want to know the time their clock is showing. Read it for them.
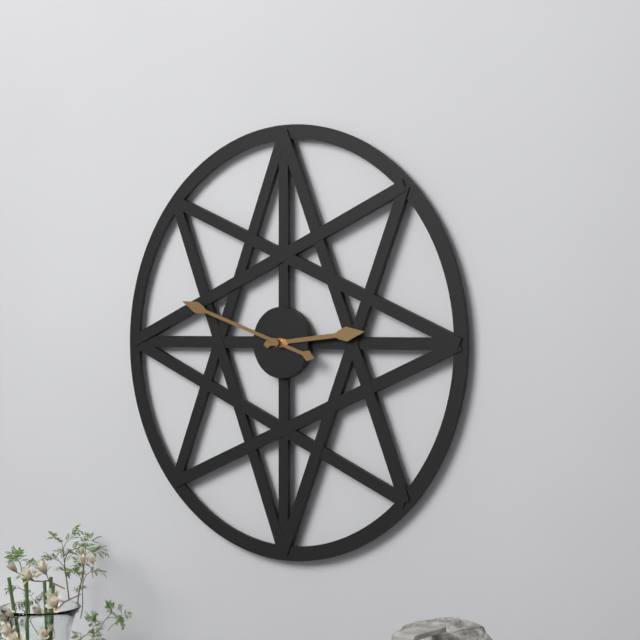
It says 2:48
